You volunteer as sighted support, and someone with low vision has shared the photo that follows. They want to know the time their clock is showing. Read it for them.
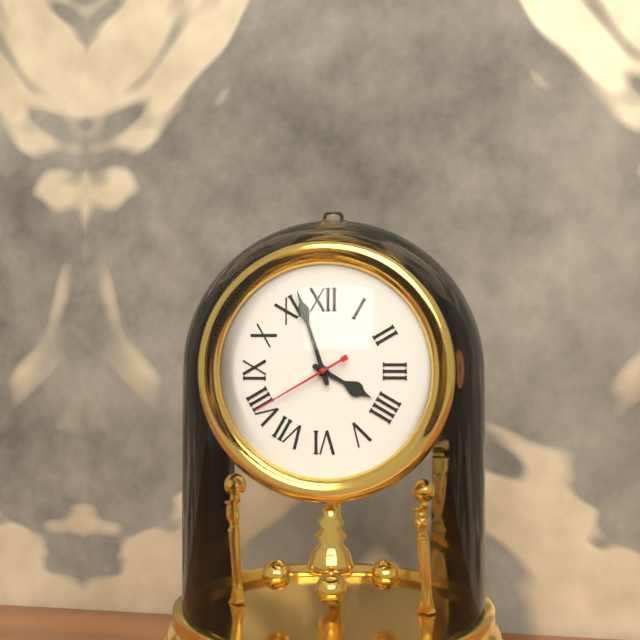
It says 3:57:40
